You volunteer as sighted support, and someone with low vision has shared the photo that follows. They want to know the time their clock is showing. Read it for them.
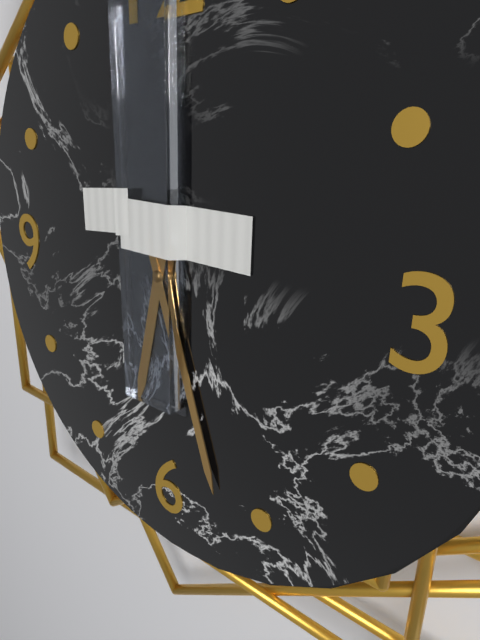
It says 6:27
